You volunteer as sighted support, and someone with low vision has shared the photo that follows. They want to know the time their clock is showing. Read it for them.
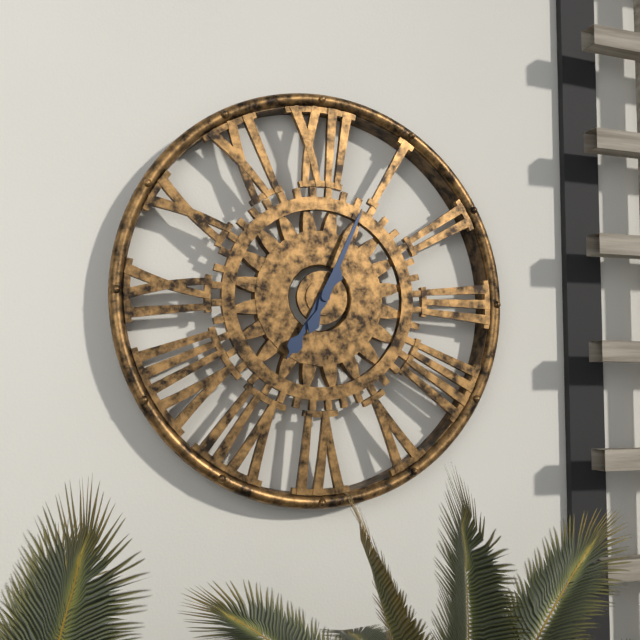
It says 7:04
